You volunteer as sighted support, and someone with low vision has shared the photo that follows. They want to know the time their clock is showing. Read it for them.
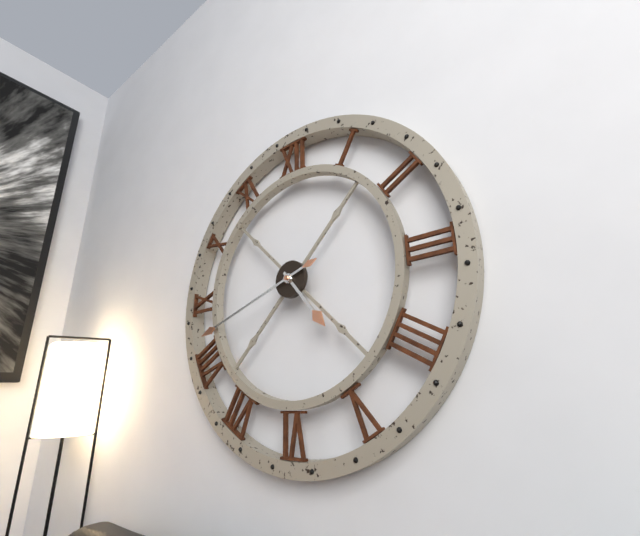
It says 4:42
